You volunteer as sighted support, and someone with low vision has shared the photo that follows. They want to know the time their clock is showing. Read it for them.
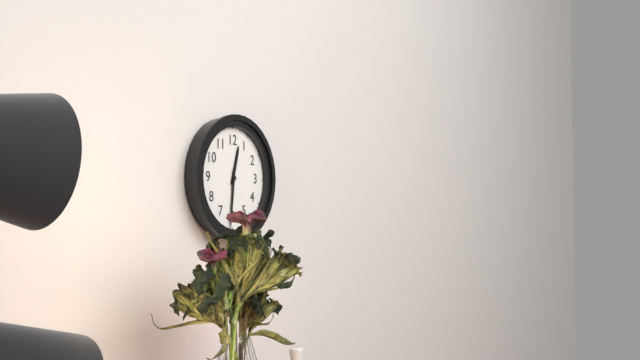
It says 12:31
